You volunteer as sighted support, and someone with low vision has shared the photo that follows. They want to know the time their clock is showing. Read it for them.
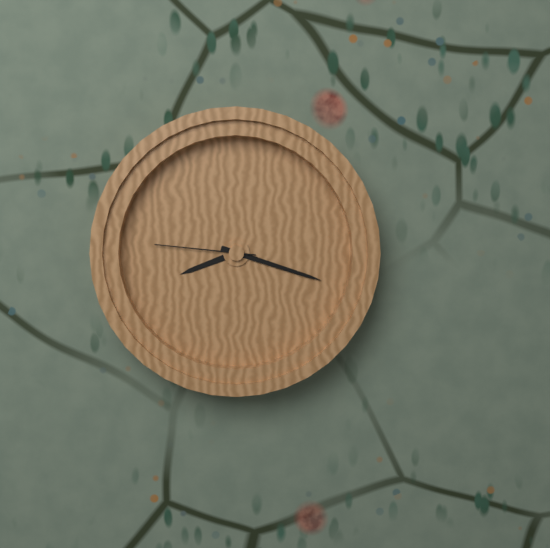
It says 8:18:46
